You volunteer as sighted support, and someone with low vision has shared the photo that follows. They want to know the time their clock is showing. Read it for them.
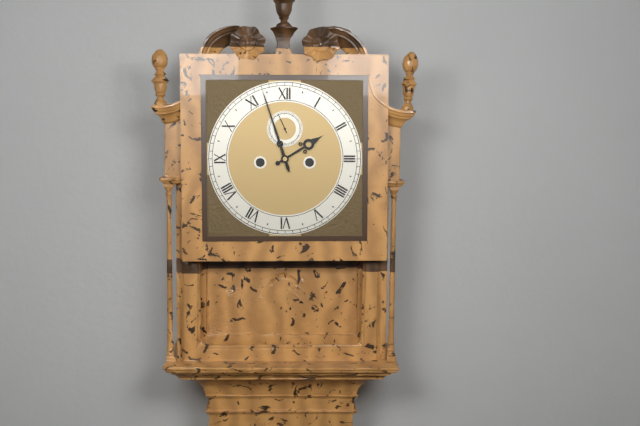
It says 1:57
